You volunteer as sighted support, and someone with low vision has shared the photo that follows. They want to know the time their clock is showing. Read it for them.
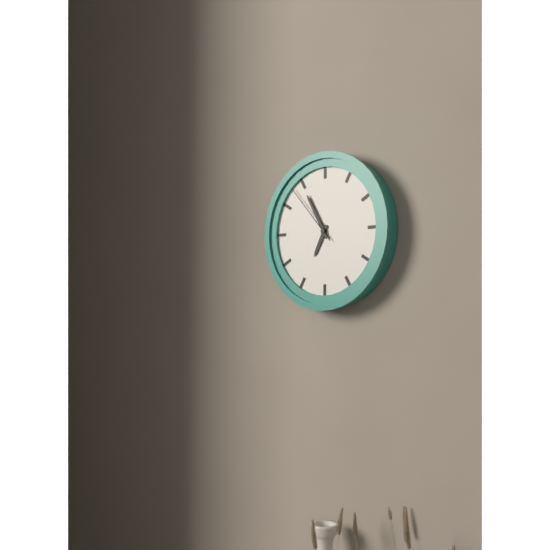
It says 6:55:53
